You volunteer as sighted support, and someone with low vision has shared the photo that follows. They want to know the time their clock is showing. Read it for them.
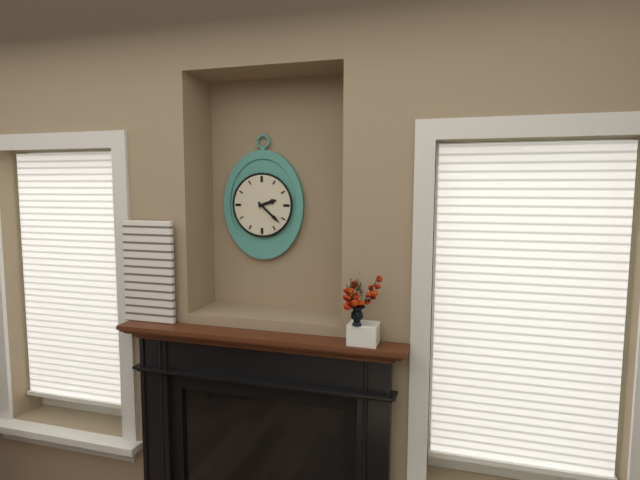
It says 2:22
